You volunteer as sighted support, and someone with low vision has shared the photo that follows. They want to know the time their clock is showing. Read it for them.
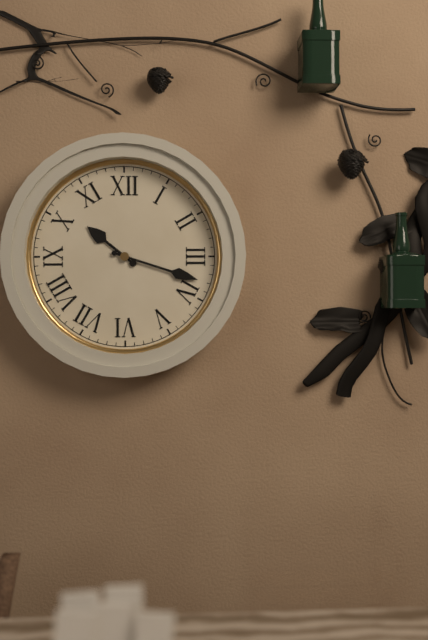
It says 10:18
